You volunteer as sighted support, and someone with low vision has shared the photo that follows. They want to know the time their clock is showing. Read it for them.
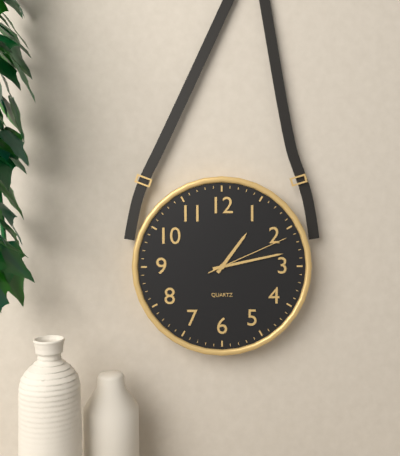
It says 1:13:11
